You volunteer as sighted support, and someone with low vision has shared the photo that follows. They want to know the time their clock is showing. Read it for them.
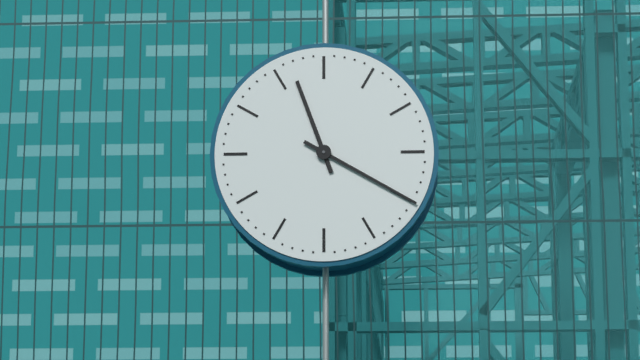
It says 11:20
